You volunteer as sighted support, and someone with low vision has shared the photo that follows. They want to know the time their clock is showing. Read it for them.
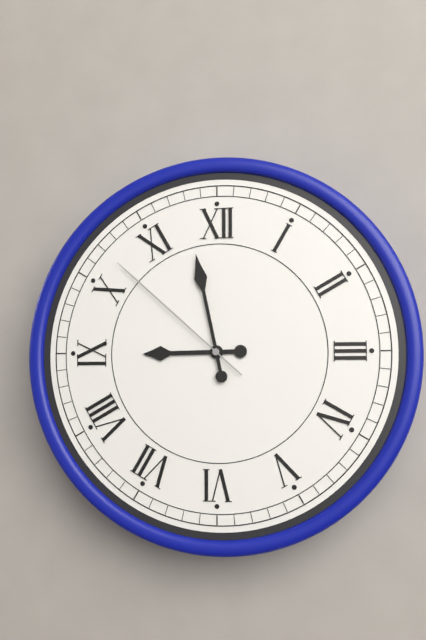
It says 8:58:52
